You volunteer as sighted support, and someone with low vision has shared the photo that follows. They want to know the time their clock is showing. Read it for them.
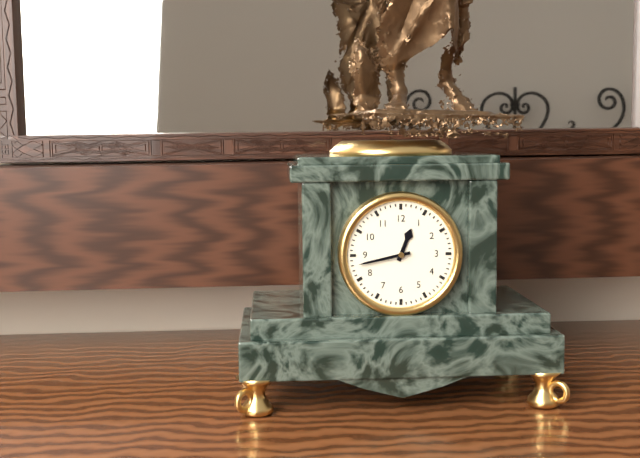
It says 12:43
